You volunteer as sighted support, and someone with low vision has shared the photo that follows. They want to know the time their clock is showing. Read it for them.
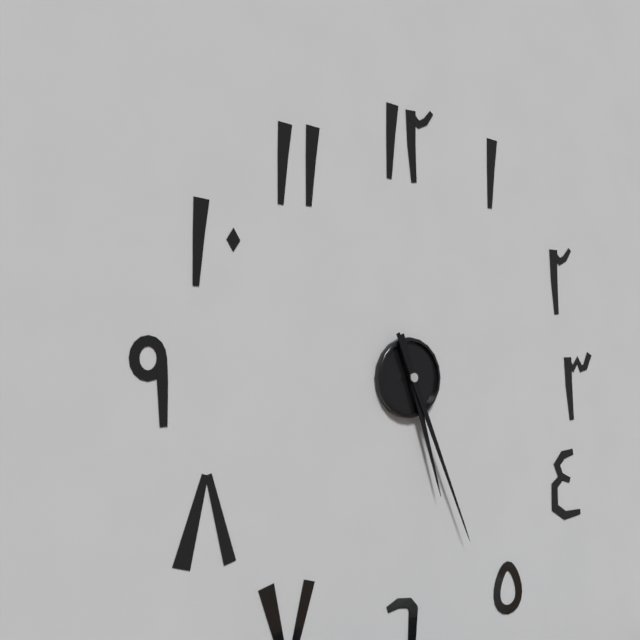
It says 5:26
